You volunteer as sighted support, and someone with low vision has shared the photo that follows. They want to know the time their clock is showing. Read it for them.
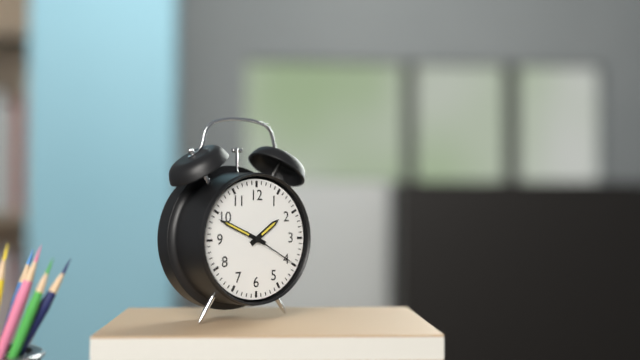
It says 1:49:20
